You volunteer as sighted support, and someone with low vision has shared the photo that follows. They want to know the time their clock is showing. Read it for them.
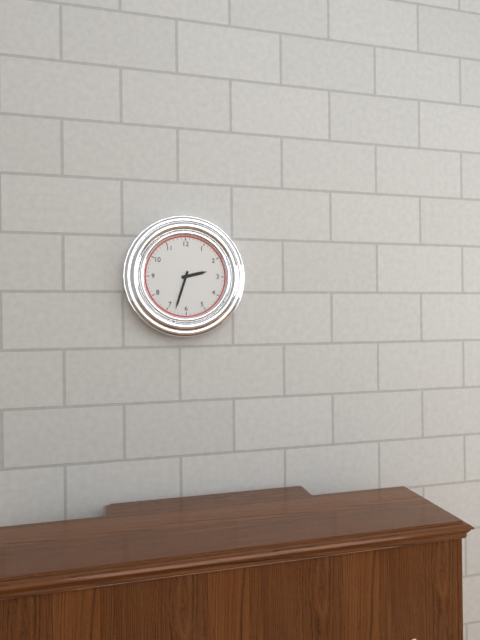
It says 2:33
